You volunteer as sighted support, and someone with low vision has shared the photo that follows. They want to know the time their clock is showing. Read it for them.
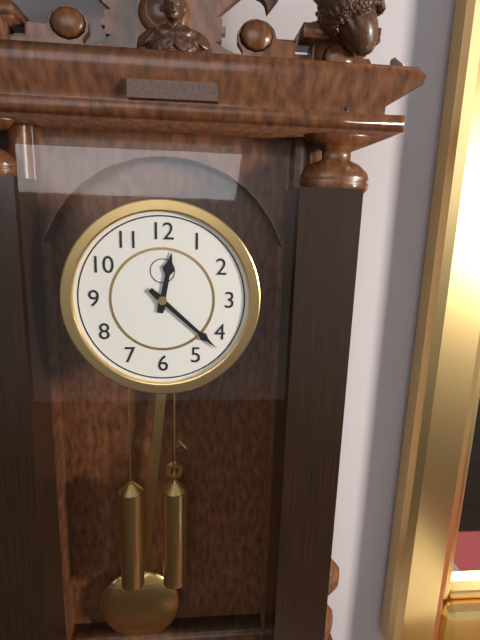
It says 12:22
